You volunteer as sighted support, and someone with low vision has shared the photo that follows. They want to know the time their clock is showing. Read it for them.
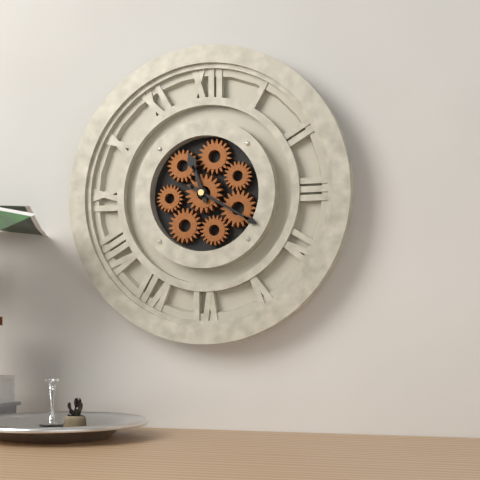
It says 11:20
